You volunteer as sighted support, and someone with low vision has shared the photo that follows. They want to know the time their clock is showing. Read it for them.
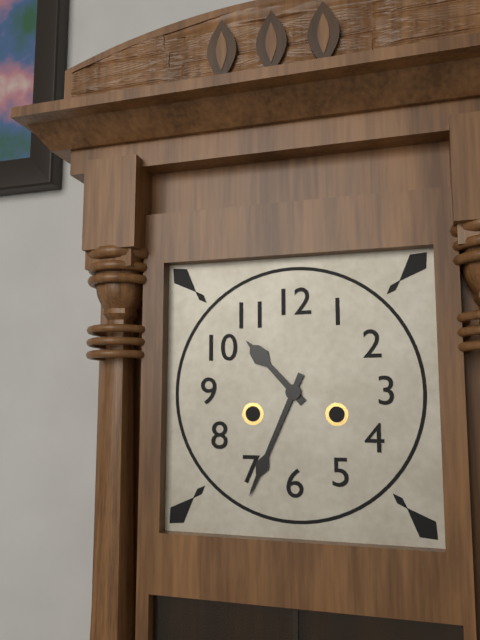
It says 10:34
